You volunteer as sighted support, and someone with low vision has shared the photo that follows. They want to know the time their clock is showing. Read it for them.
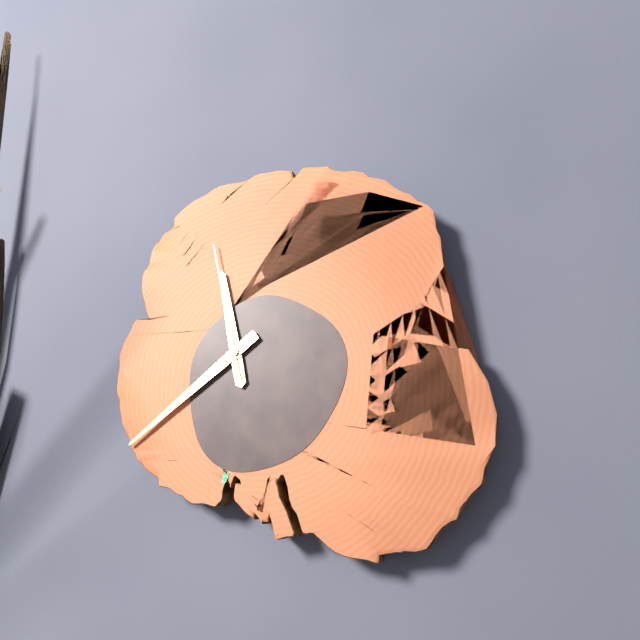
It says 11:39:58
